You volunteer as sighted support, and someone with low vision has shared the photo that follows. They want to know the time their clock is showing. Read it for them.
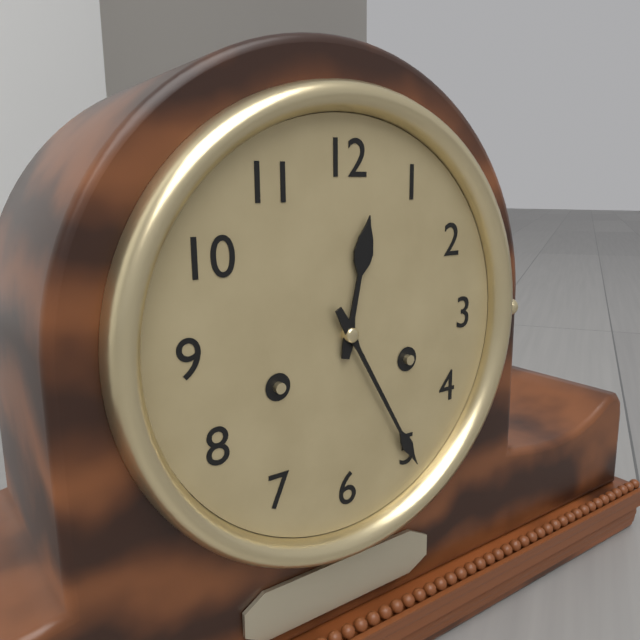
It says 12:25
